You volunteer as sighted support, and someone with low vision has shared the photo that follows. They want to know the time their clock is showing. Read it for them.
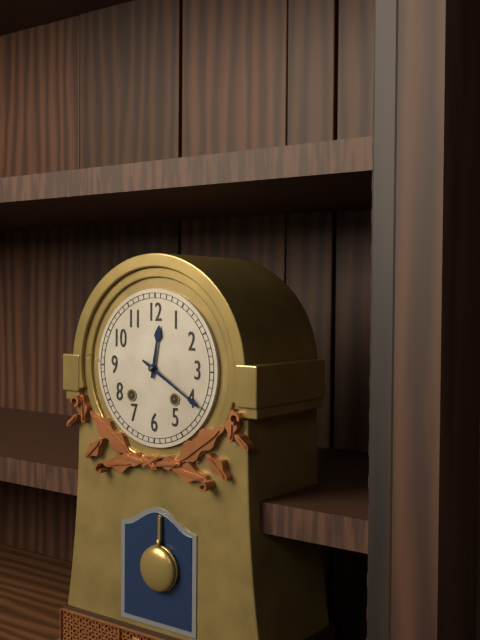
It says 12:20
